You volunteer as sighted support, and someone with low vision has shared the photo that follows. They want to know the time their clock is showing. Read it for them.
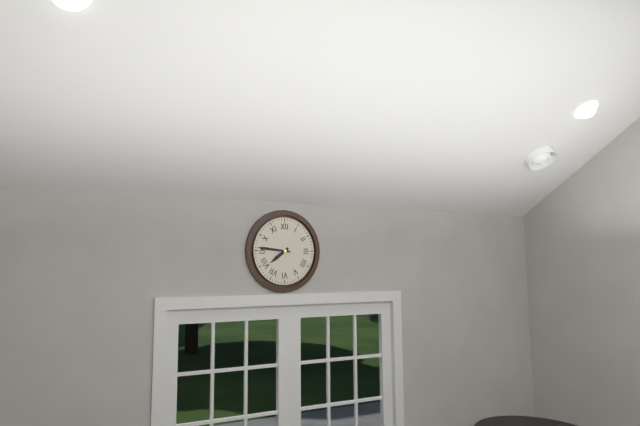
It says 7:46
